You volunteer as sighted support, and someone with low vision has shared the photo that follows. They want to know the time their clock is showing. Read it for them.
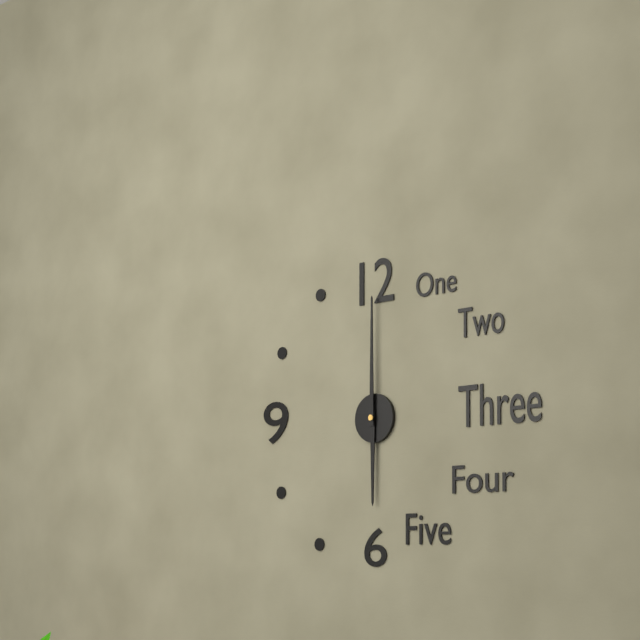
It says 6:00
